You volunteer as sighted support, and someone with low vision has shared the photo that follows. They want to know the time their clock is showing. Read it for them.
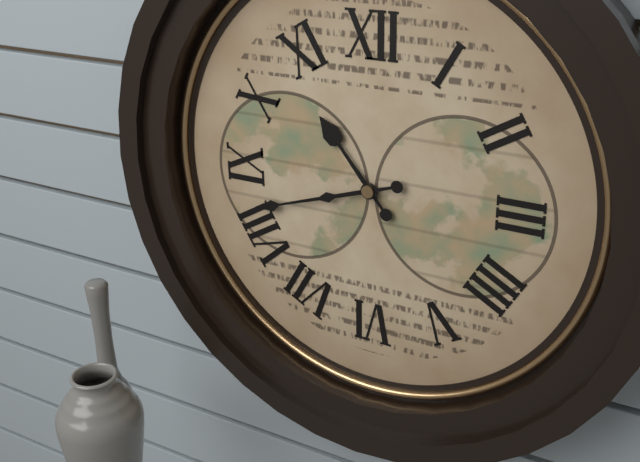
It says 10:42
